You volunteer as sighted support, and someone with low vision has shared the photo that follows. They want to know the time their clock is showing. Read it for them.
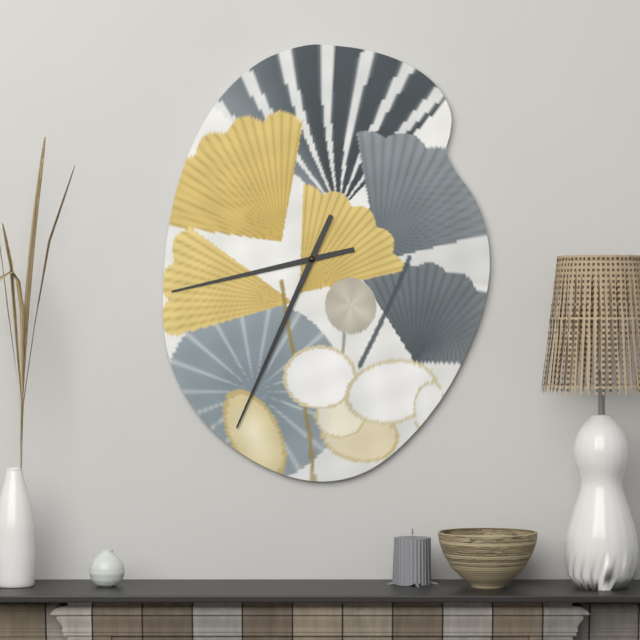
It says 8:34
